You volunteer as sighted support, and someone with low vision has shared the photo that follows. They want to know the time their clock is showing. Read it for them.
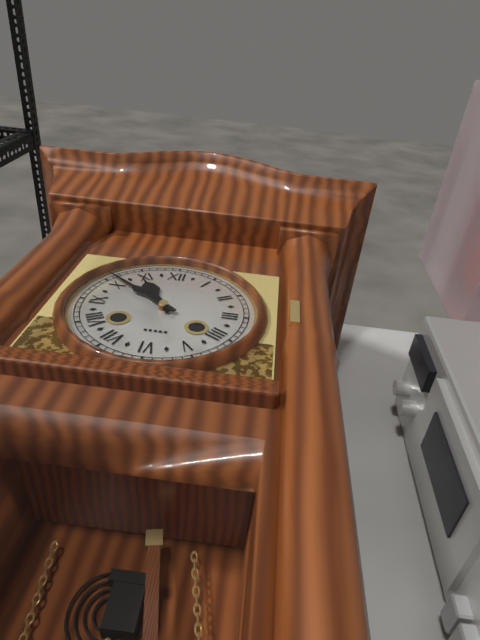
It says 10:51
